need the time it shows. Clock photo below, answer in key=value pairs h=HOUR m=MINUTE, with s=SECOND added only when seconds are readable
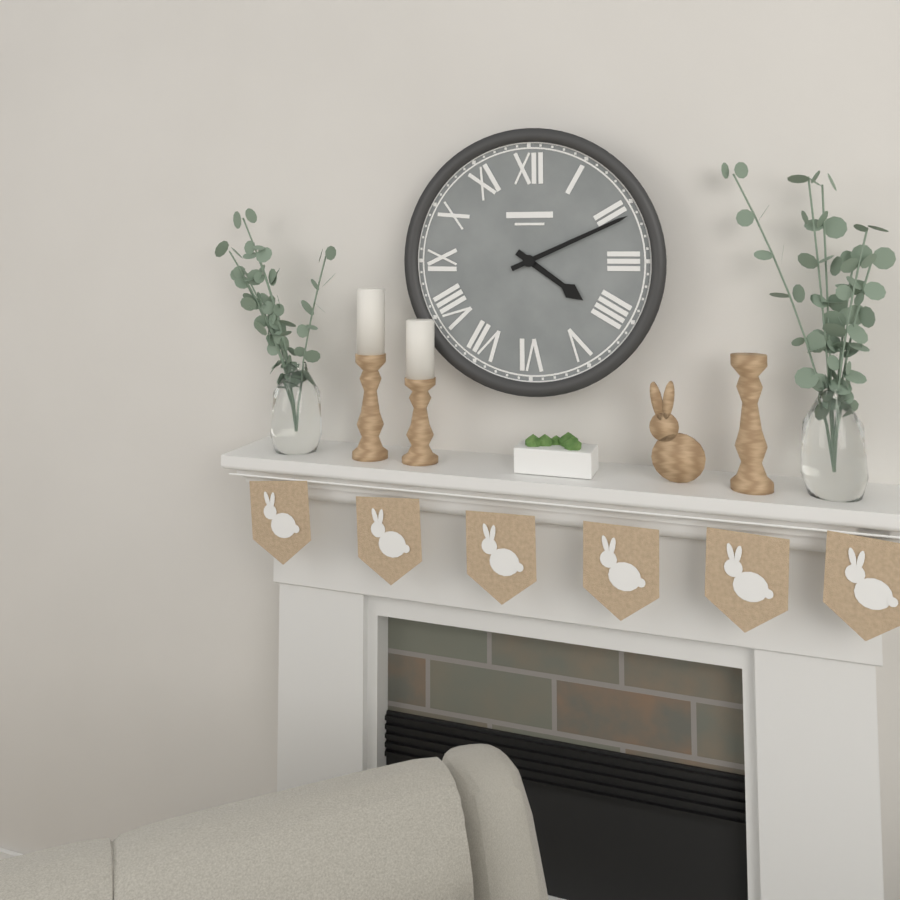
h=4 m=11
